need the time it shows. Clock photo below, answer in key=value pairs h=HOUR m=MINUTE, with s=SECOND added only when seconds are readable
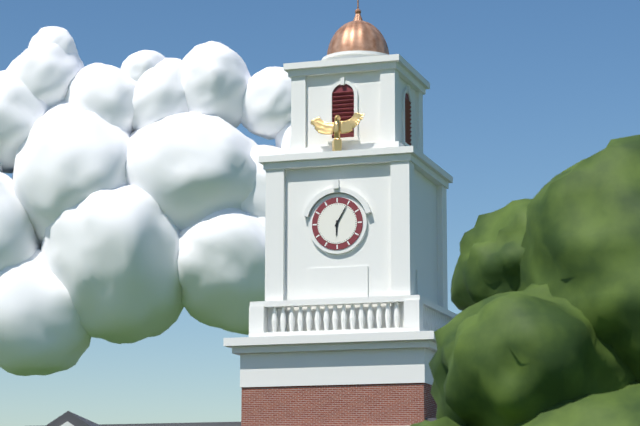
h=6 m=5
